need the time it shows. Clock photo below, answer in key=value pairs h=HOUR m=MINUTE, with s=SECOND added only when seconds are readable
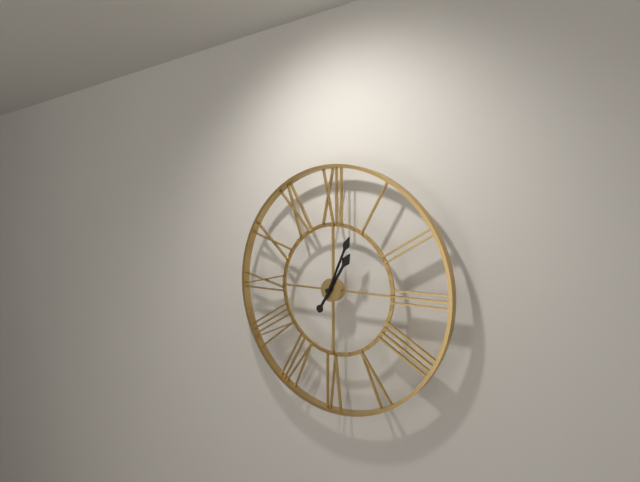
h=1 m=4
